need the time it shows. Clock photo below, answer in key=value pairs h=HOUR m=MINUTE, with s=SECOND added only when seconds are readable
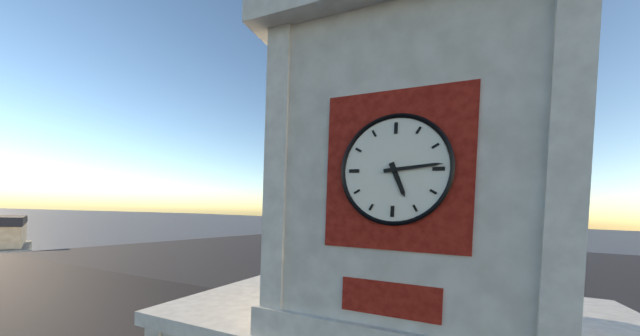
h=5 m=14
